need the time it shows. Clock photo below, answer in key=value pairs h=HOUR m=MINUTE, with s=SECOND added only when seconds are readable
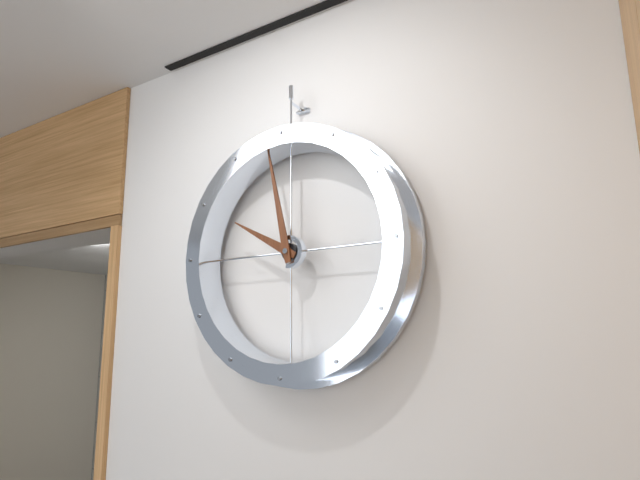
h=9 m=58
